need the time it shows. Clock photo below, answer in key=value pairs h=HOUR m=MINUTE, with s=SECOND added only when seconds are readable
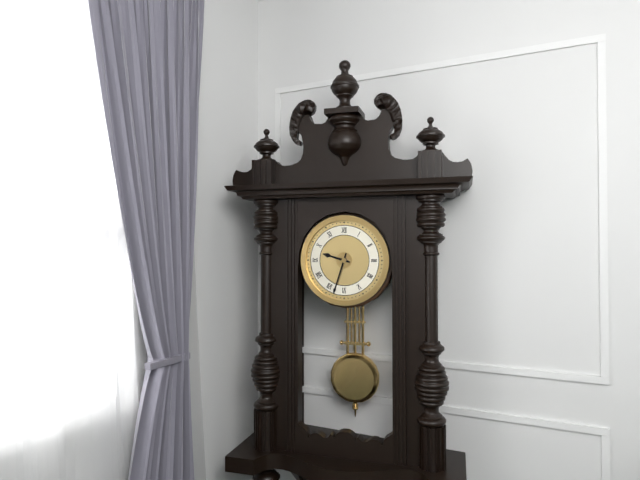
h=9 m=33
